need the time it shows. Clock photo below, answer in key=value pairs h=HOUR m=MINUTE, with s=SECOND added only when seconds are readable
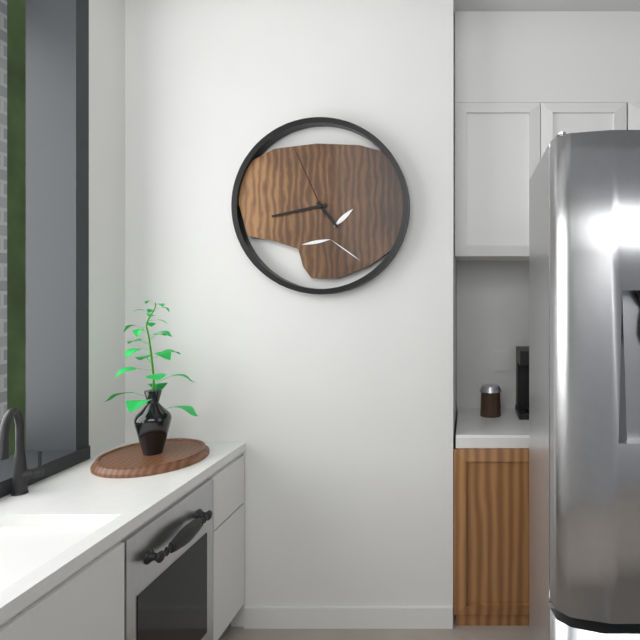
h=4 m=43 s=56
